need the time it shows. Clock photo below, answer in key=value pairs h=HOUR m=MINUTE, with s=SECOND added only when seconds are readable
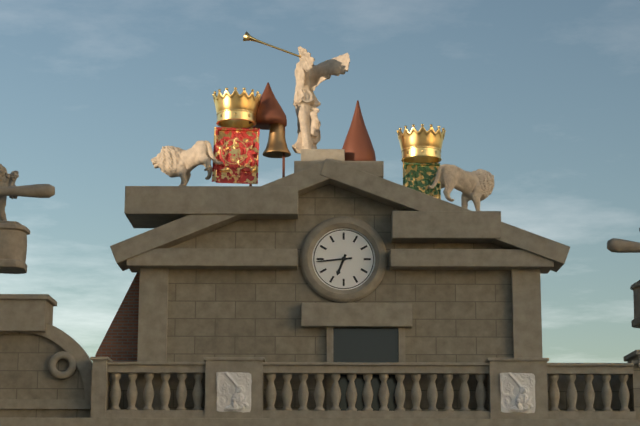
h=6 m=44
